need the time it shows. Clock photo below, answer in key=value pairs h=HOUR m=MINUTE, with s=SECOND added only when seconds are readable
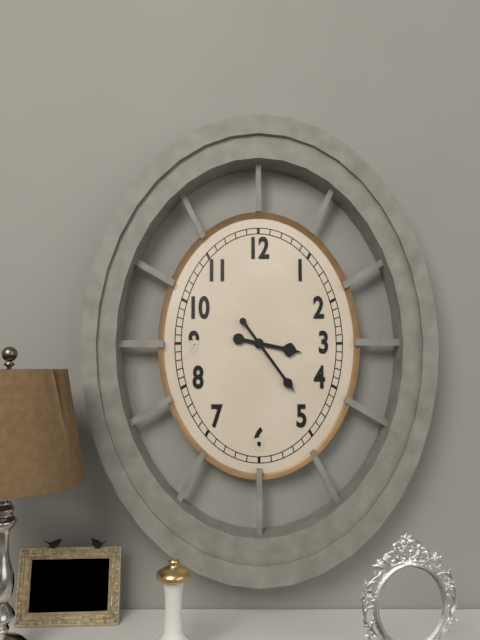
h=3 m=24
